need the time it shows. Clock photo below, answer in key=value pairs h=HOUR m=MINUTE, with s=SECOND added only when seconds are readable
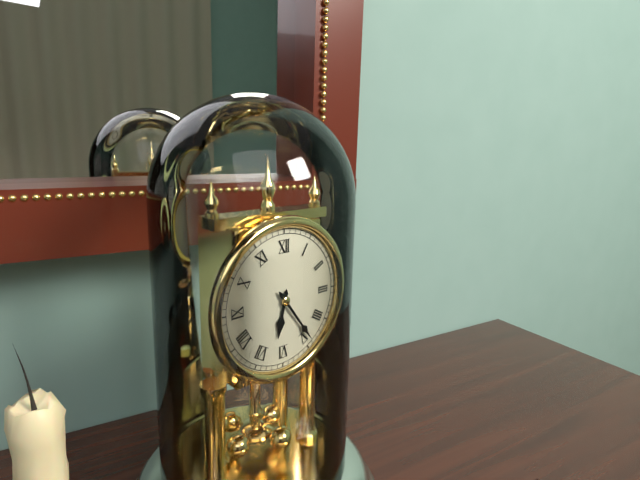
h=6 m=24
